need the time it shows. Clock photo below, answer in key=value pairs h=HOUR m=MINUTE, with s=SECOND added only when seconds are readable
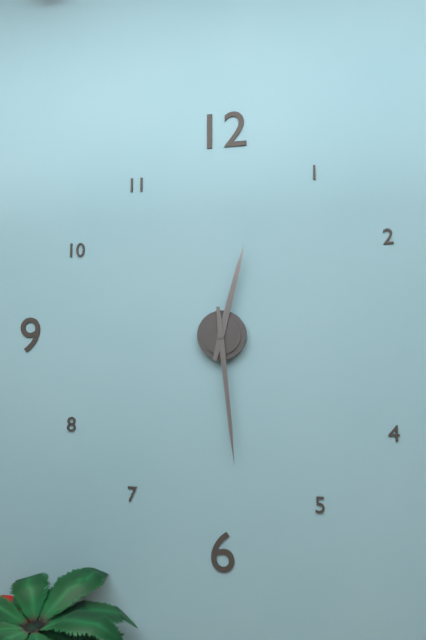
h=12 m=29
